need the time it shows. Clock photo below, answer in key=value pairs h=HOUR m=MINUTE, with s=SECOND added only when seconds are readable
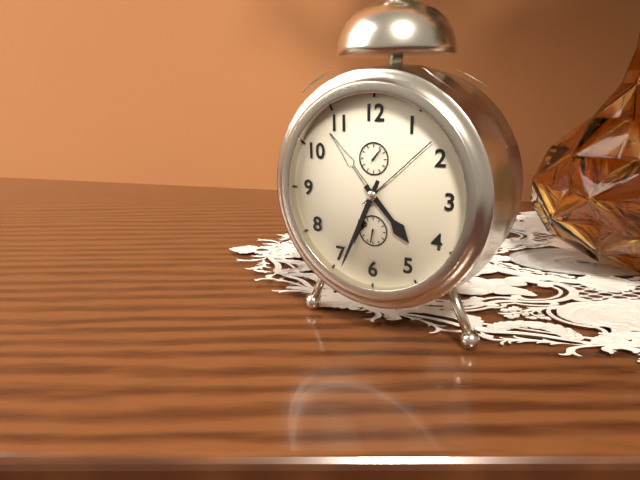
h=4 m=34
